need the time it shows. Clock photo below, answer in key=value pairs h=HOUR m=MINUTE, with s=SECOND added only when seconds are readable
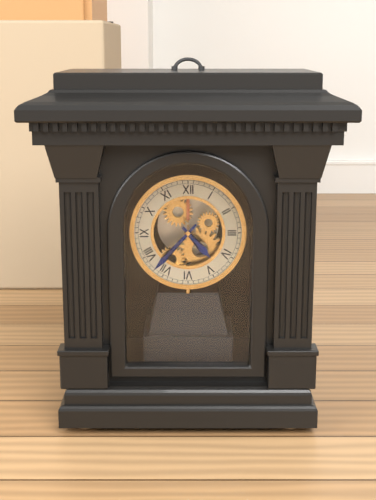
h=4 m=37
